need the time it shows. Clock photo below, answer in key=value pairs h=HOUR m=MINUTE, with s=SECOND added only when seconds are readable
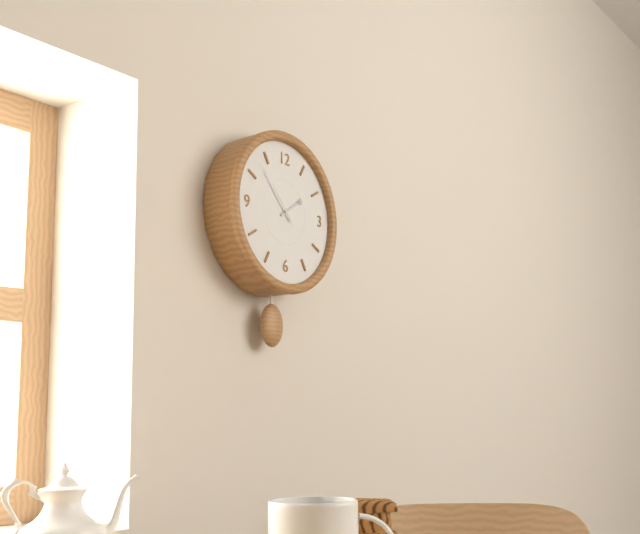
h=1 m=53
